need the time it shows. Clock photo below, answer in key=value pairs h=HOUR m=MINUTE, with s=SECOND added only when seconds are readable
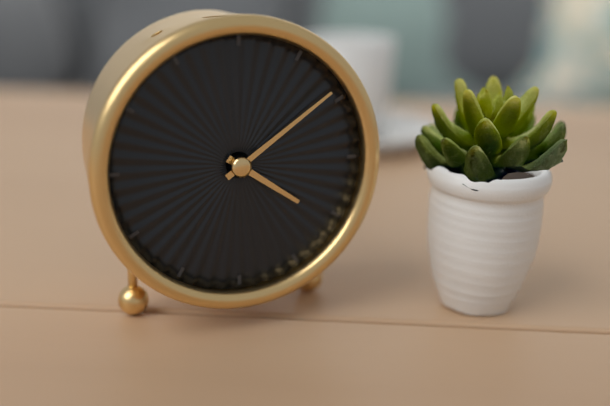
h=4 m=9
